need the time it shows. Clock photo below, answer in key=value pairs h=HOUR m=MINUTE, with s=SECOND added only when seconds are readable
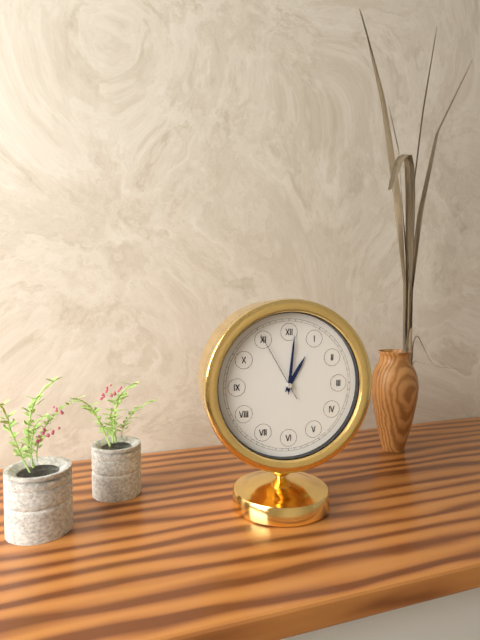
h=1 m=1 s=55
